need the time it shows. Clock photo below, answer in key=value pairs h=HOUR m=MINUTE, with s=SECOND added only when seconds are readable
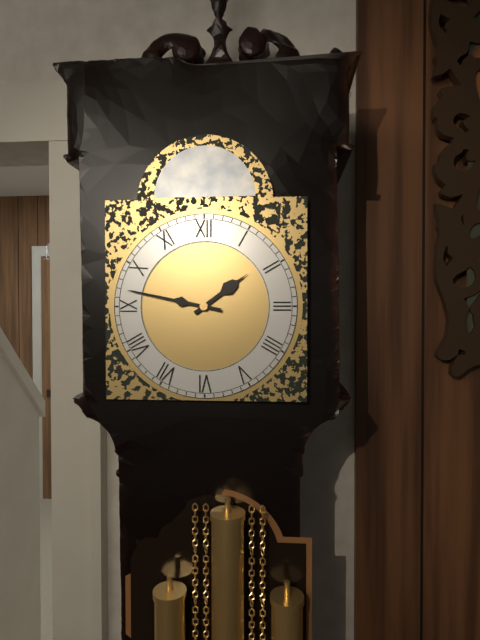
h=1 m=47
